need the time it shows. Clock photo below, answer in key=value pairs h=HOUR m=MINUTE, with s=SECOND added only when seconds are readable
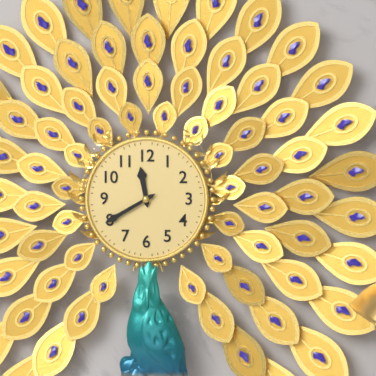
h=11 m=40
